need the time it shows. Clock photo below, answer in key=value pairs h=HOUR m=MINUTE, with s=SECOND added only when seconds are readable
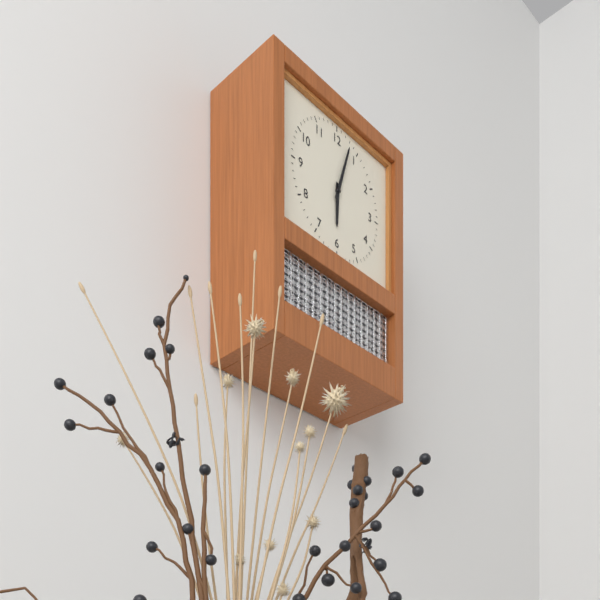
h=6 m=3
